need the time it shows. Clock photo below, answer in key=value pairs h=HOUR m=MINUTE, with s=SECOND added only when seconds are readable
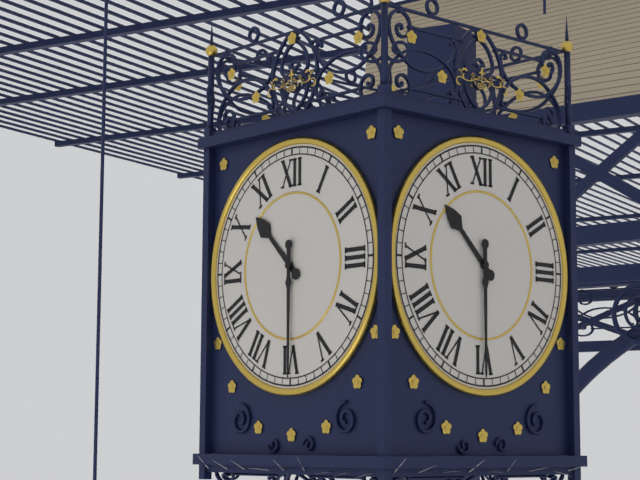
h=10 m=30
